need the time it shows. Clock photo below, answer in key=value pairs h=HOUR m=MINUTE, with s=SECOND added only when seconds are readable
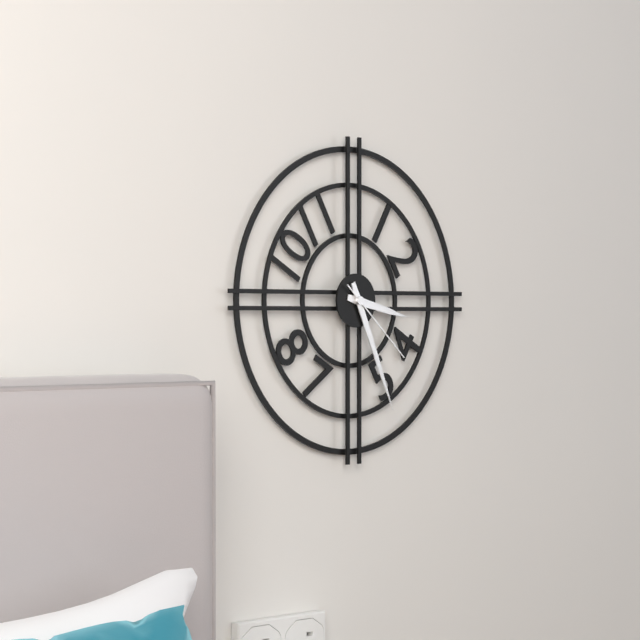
h=3 m=26 s=22
